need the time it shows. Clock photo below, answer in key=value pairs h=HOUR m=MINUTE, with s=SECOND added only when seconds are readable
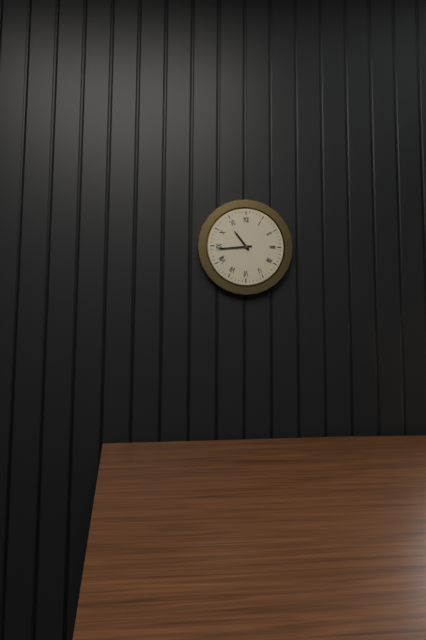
h=10 m=44
